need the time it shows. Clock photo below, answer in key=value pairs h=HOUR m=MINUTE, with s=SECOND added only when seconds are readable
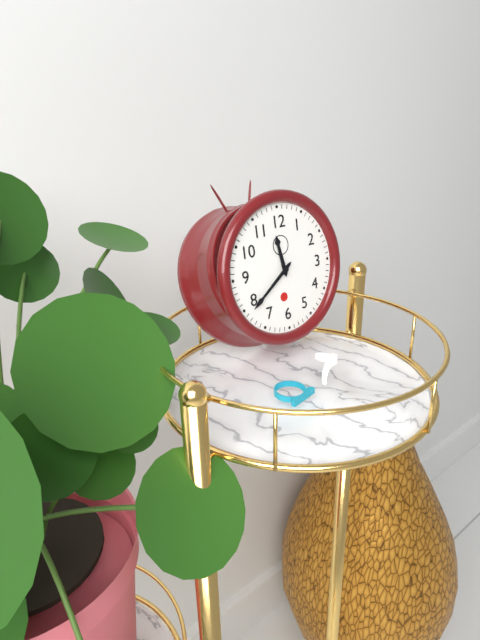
h=11 m=39
